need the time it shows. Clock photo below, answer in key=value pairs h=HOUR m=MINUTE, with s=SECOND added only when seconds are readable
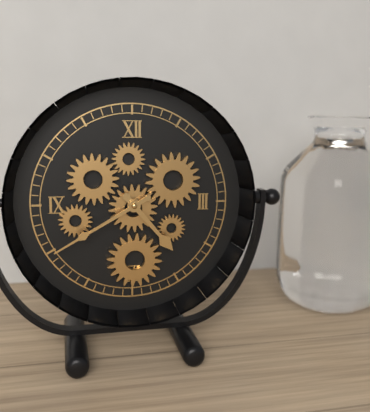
h=4 m=40
